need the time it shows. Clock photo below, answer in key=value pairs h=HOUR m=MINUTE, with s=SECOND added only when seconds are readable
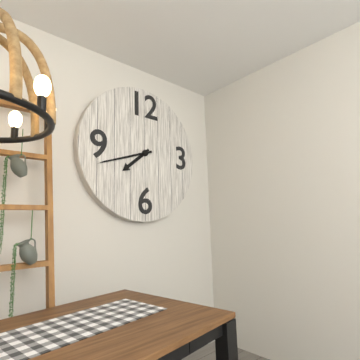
h=7 m=42
